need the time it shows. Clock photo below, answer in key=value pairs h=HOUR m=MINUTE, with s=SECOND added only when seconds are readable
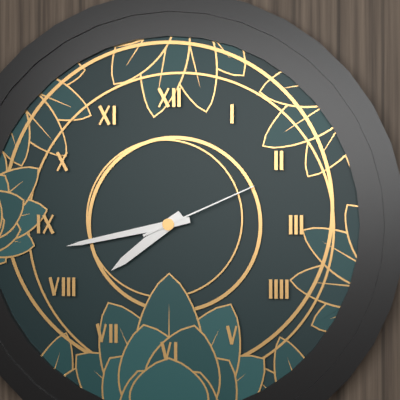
h=7 m=43 s=11
